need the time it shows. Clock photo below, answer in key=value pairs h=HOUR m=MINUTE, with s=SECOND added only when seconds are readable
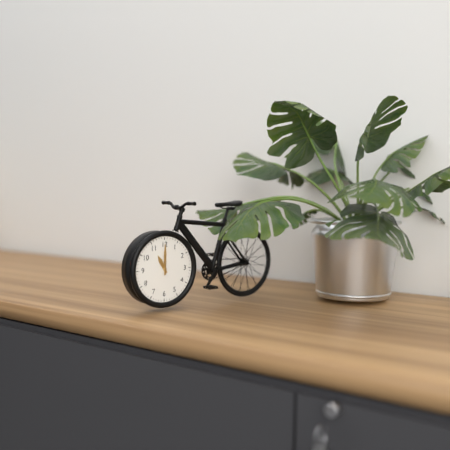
h=11 m=0
